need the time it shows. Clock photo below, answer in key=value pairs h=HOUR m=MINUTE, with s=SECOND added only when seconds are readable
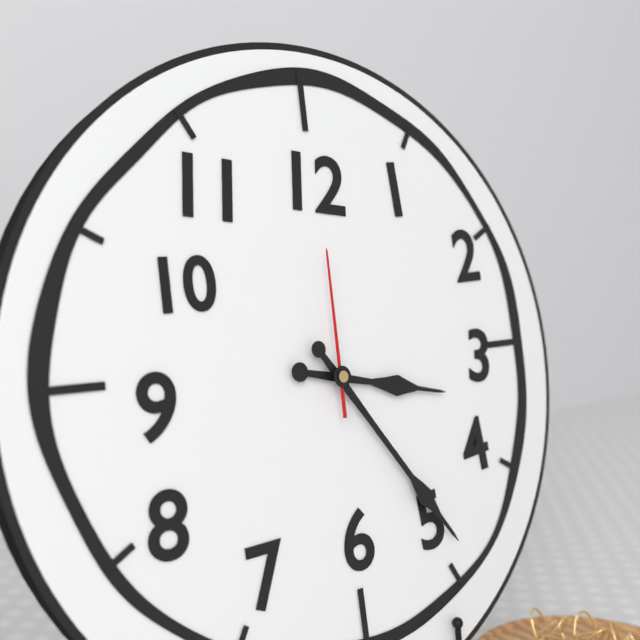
h=3 m=24 s=0
